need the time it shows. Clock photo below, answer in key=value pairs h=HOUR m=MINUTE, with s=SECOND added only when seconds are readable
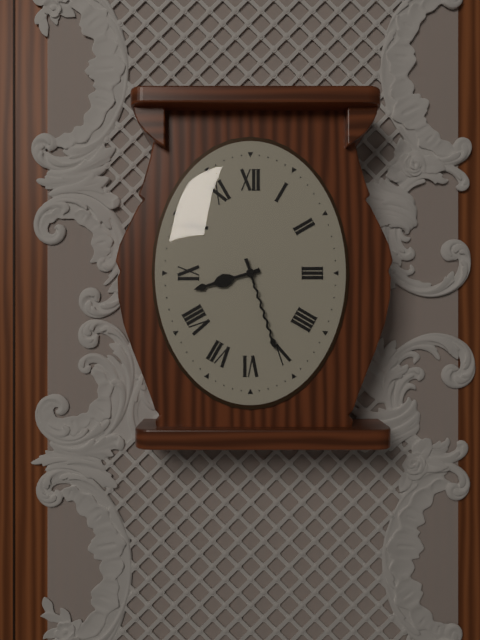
h=8 m=27
